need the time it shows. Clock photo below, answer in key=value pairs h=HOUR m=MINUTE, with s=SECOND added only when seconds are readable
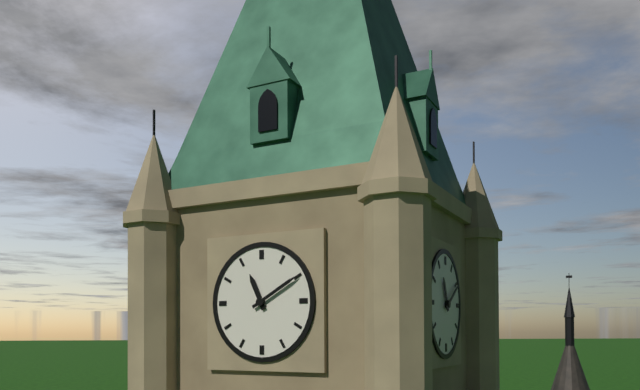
h=11 m=10
